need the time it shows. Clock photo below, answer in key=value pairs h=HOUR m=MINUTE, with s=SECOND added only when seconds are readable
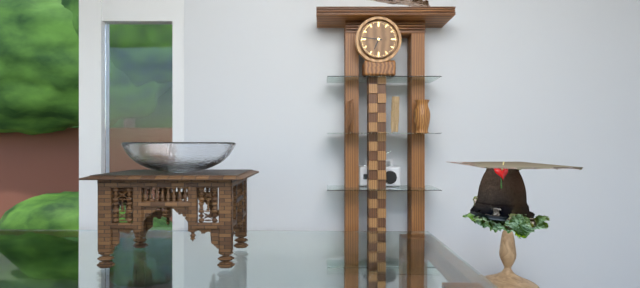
h=6 m=46
